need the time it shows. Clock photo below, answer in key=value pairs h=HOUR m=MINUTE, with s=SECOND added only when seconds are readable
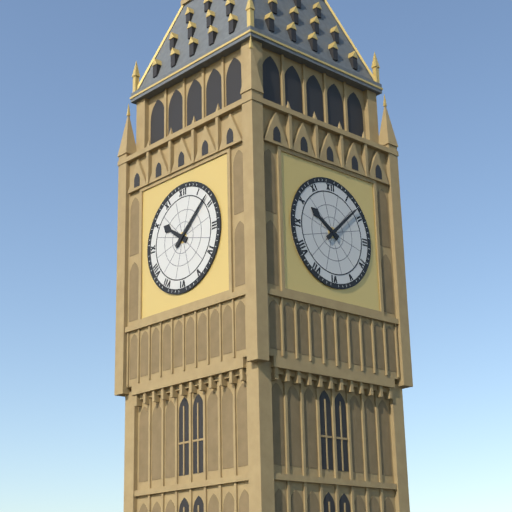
h=10 m=8
